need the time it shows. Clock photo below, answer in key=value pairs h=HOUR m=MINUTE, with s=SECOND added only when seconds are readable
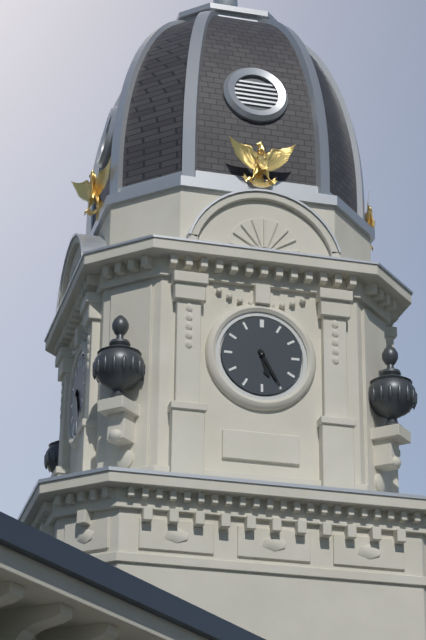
h=5 m=25
